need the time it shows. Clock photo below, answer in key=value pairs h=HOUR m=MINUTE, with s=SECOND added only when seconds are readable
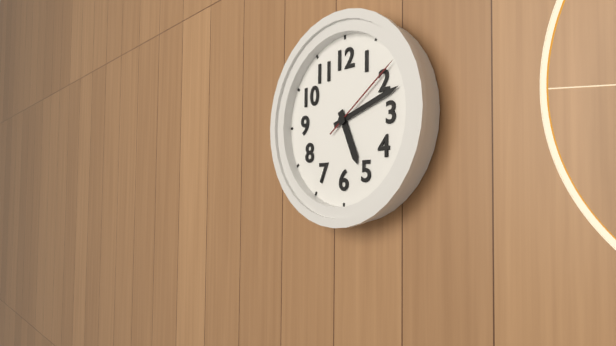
h=5 m=12 s=9
